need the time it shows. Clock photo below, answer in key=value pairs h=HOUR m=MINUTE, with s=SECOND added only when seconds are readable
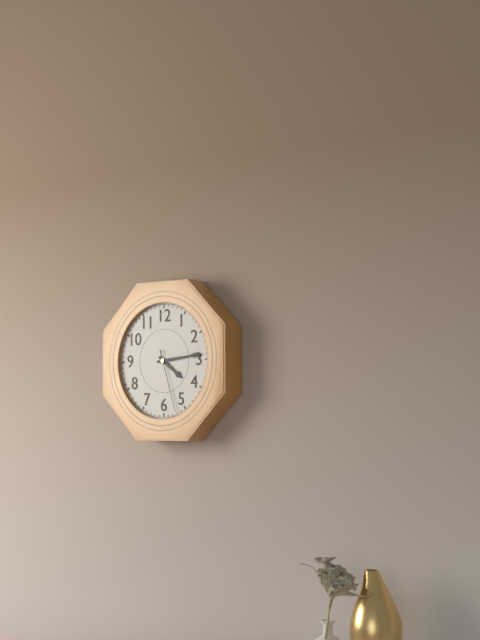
h=4 m=14 s=27
